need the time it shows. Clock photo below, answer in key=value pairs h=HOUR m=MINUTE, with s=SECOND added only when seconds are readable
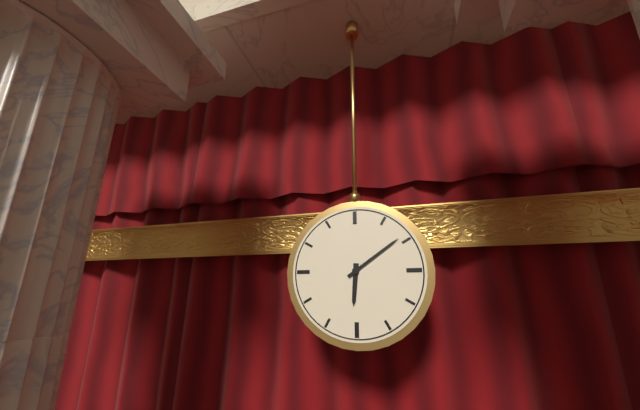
h=6 m=9
